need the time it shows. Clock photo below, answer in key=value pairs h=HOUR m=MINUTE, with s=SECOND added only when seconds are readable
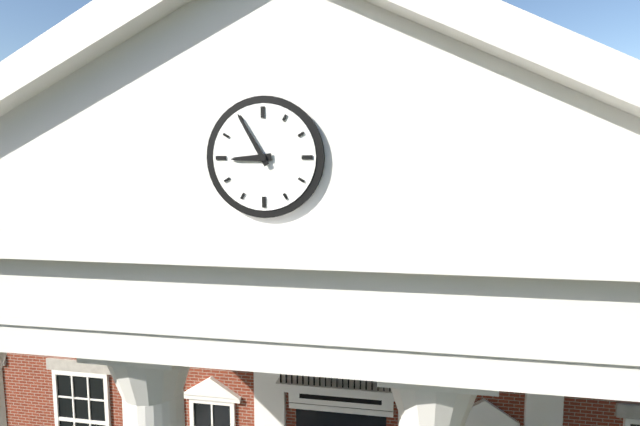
h=8 m=55
